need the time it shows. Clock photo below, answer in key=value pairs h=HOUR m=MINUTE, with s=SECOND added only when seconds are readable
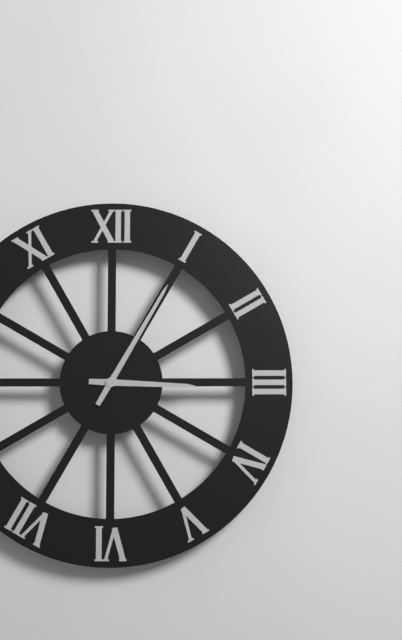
h=3 m=5
